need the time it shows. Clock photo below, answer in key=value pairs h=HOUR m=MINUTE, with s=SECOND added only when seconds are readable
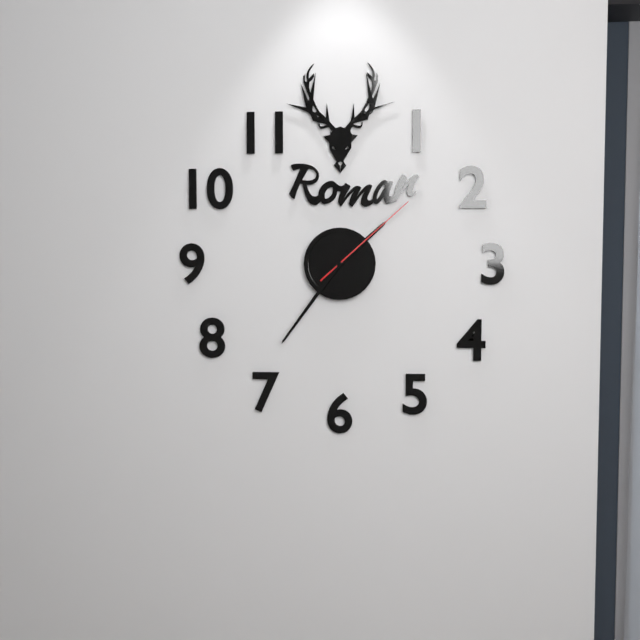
h=1 m=36 s=8
